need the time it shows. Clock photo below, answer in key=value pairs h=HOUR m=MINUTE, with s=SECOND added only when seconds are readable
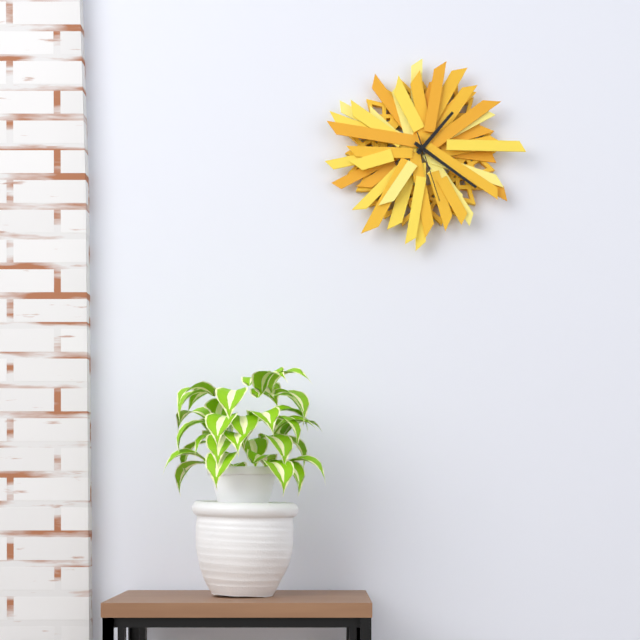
h=1 m=21 s=27
